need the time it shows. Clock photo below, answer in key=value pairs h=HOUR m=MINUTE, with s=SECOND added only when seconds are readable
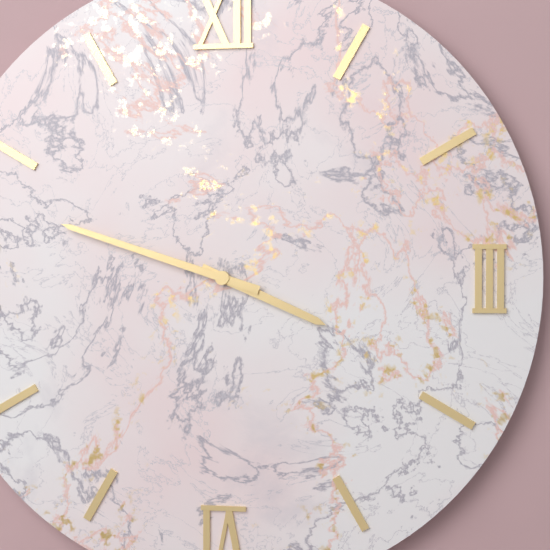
h=3 m=48
